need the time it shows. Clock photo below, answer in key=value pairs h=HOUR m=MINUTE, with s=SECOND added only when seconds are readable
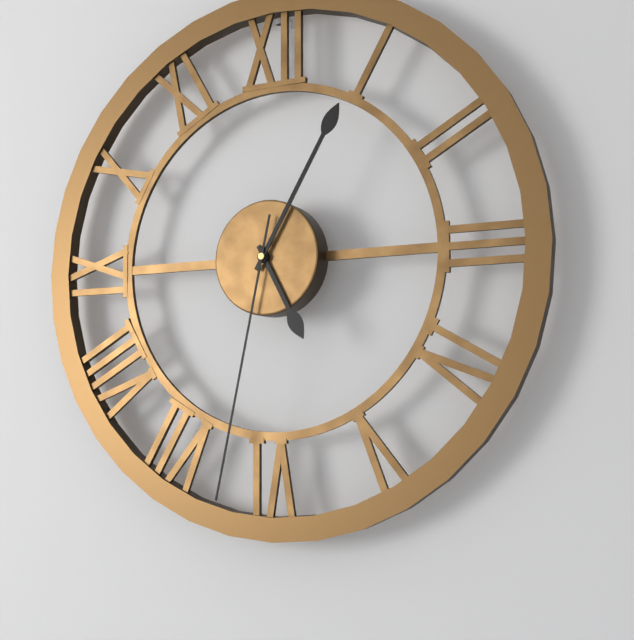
h=5 m=5 s=32
